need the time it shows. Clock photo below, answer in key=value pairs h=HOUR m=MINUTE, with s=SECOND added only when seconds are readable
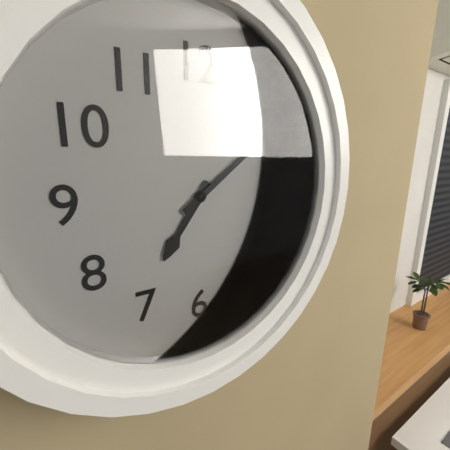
h=7 m=9
